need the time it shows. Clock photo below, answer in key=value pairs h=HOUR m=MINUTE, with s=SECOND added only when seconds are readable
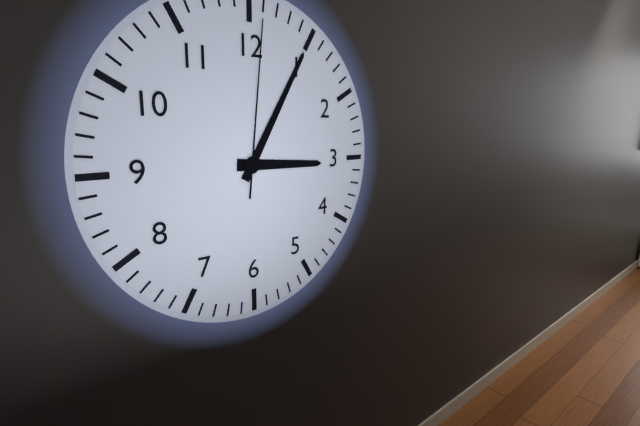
h=3 m=5 s=1
